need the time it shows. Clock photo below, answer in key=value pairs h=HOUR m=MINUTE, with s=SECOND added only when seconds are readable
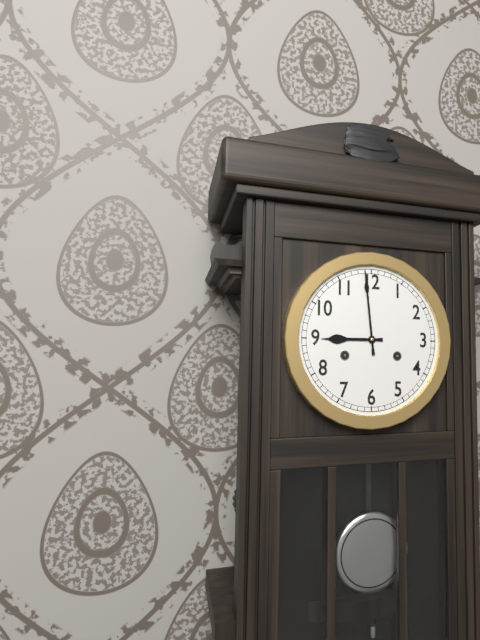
h=8 m=59
